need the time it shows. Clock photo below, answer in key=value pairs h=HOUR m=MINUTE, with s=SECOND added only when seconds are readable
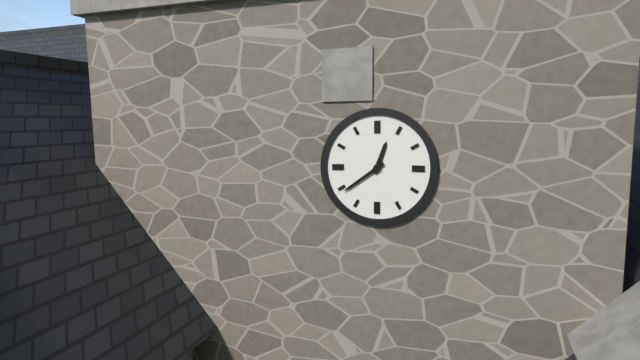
h=12 m=39
